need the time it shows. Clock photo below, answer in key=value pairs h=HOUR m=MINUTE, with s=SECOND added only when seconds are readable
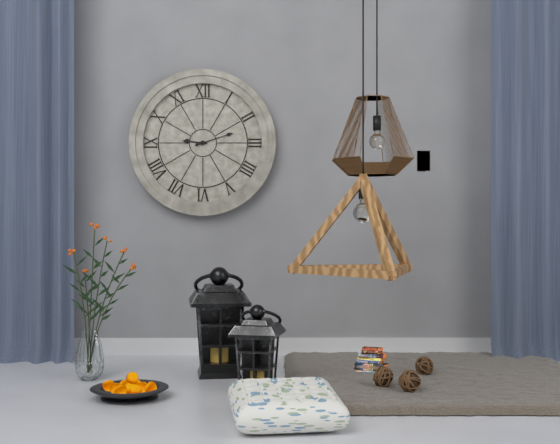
h=9 m=12
